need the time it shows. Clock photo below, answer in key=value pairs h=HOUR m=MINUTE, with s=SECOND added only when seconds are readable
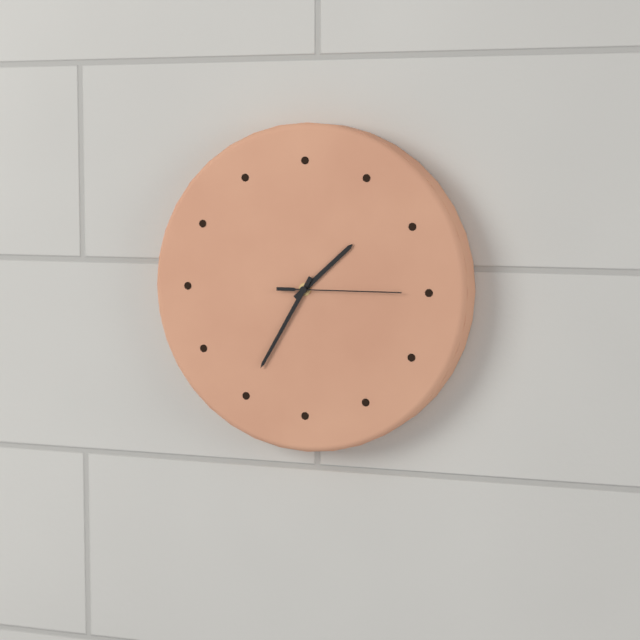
h=1 m=35 s=15
